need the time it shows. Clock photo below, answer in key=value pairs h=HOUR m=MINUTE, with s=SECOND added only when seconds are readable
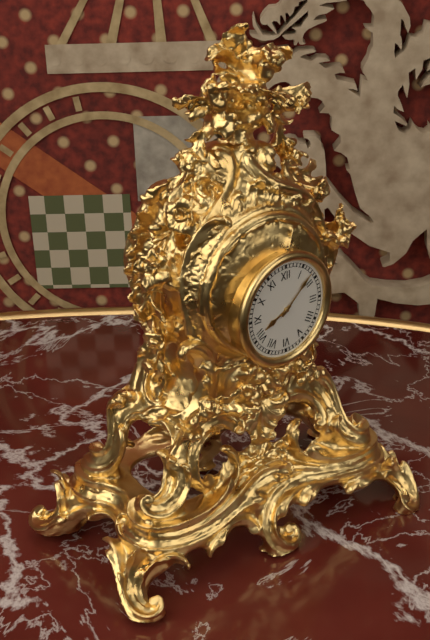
h=8 m=8
